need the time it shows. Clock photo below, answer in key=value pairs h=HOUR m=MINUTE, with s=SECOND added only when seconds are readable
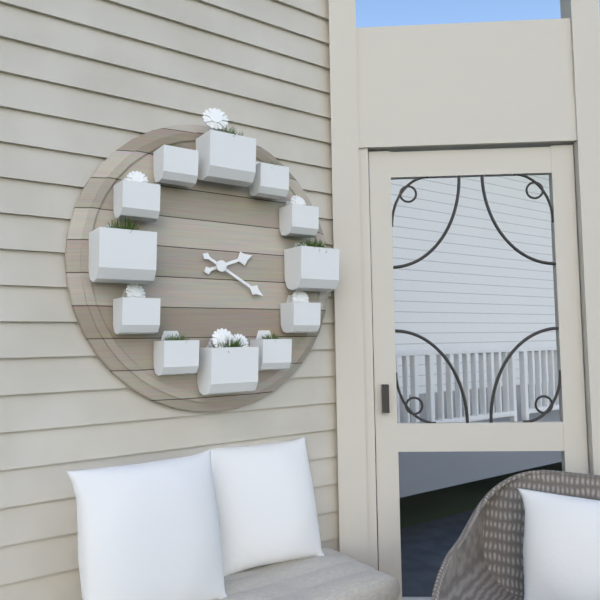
h=2 m=20
